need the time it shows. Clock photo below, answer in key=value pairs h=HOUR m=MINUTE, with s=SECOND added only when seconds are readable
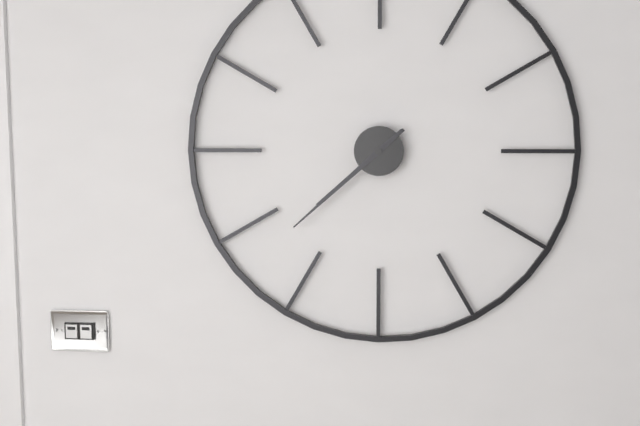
h=7 m=38
